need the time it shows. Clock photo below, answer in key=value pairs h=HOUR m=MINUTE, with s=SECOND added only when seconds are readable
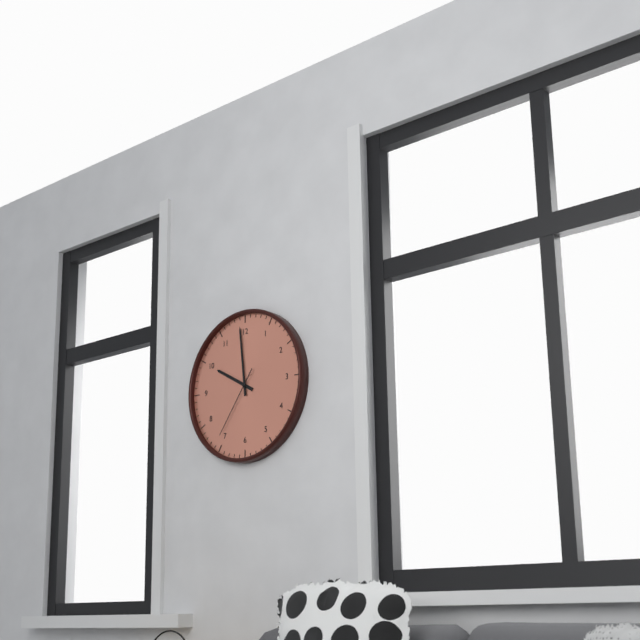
h=9 m=59 s=36
